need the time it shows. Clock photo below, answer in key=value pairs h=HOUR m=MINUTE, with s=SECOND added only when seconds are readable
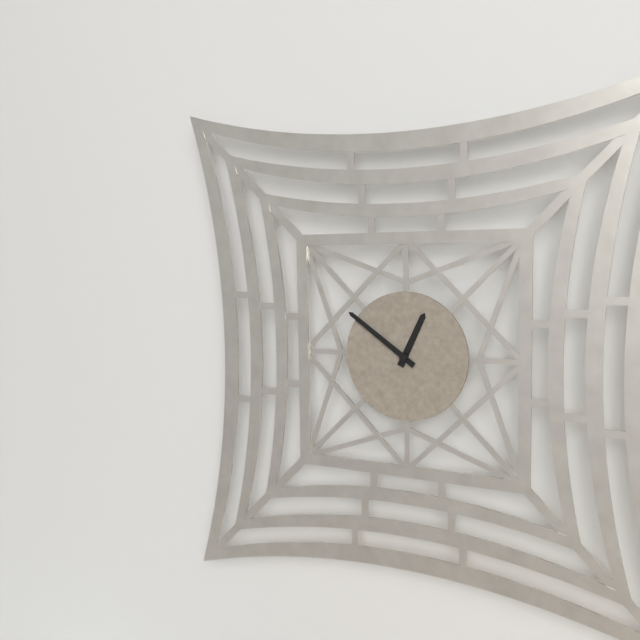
h=12 m=51
